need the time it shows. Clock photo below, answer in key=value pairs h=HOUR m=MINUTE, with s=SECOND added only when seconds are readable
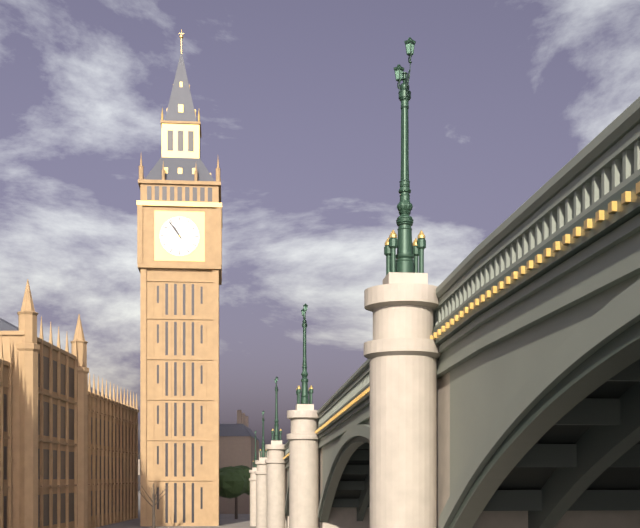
h=10 m=54
